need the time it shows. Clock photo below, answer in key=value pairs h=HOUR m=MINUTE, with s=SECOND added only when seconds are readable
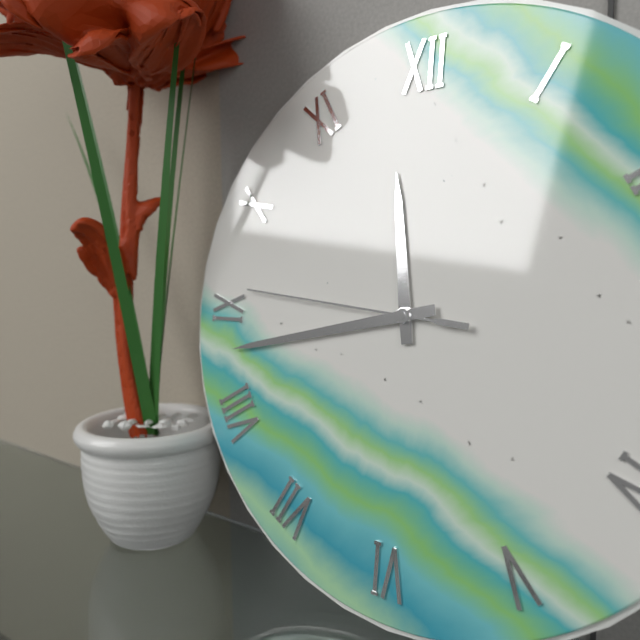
h=11 m=43 s=46
